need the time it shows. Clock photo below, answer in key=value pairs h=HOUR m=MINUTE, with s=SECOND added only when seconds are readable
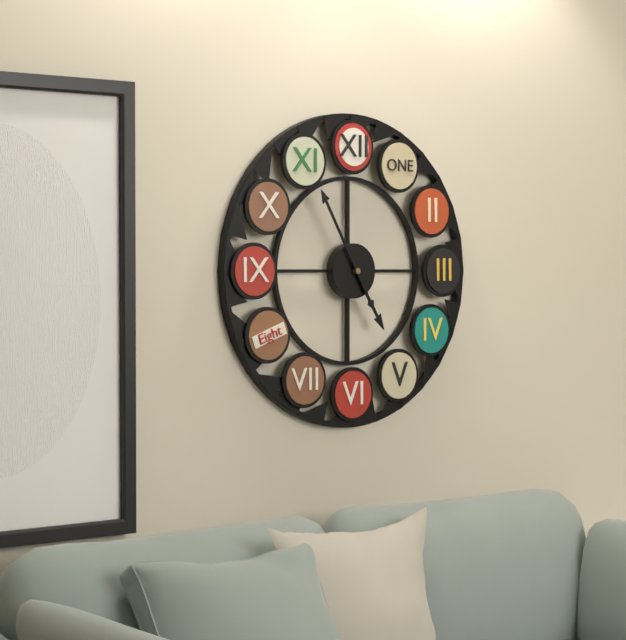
h=4 m=55
